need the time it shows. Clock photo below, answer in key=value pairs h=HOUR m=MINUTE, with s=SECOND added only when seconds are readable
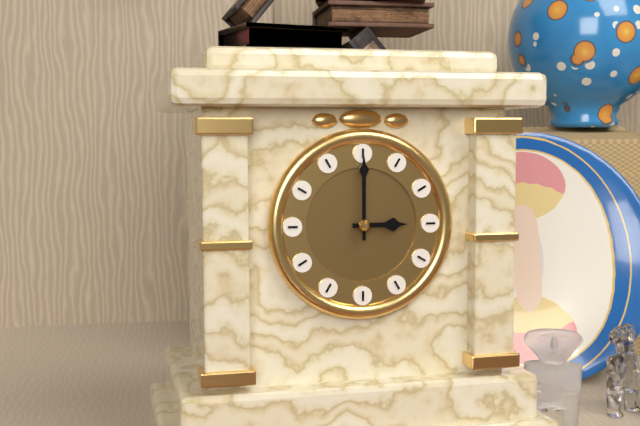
h=3 m=0
